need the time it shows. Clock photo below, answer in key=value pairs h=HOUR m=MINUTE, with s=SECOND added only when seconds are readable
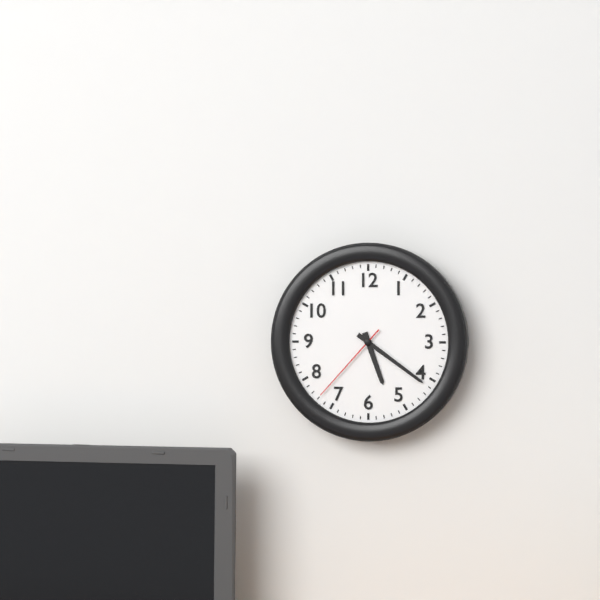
h=5 m=21 s=37
